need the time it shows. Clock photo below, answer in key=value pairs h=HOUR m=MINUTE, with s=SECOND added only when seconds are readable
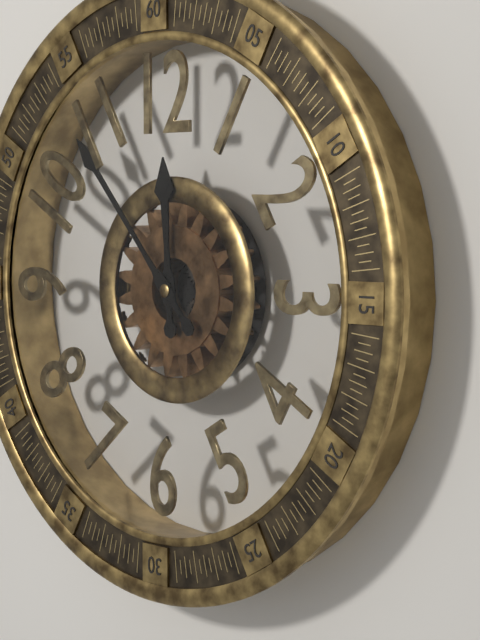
h=11 m=53
